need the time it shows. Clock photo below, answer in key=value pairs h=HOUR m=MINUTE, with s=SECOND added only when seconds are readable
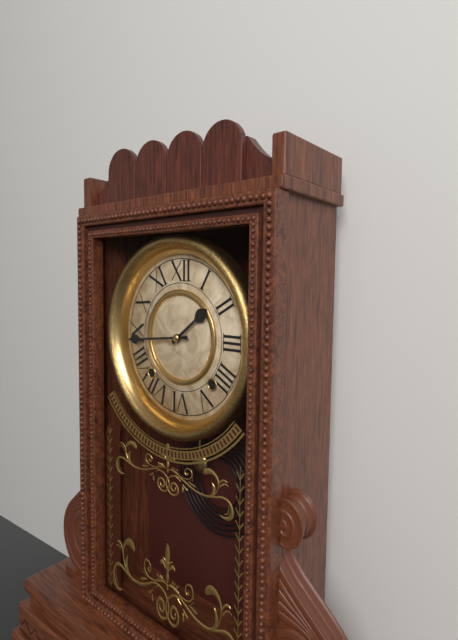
h=1 m=44
